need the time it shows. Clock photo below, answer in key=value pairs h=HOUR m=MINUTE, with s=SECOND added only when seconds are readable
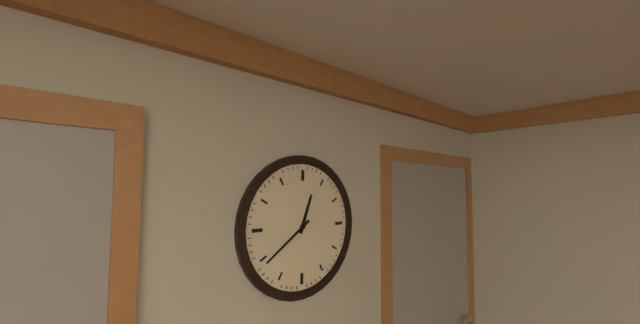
h=12 m=39
